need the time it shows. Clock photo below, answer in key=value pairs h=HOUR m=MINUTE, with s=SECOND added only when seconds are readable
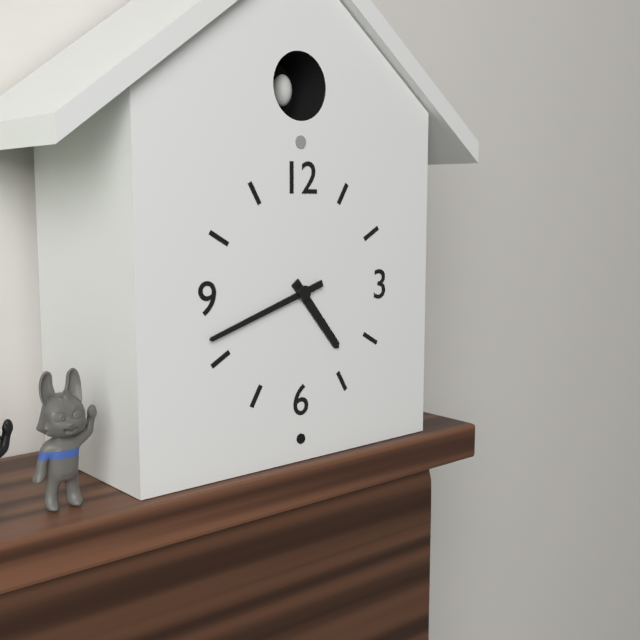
h=4 m=42
